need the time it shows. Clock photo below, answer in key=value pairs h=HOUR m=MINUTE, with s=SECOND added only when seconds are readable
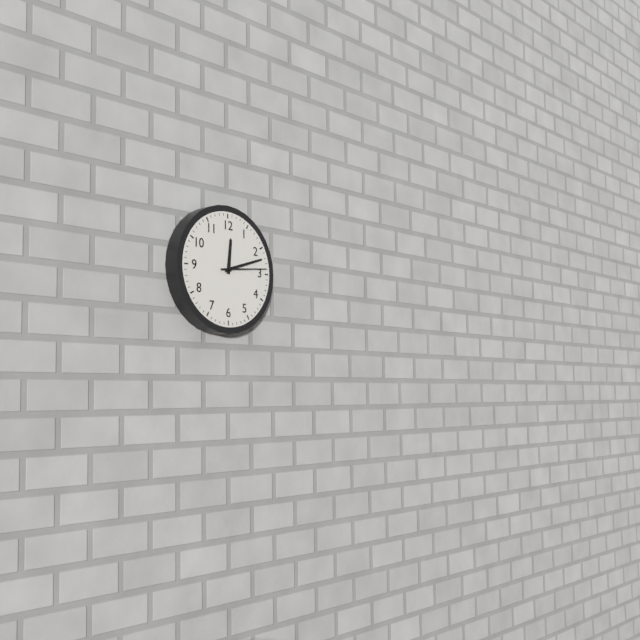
h=12 m=12
